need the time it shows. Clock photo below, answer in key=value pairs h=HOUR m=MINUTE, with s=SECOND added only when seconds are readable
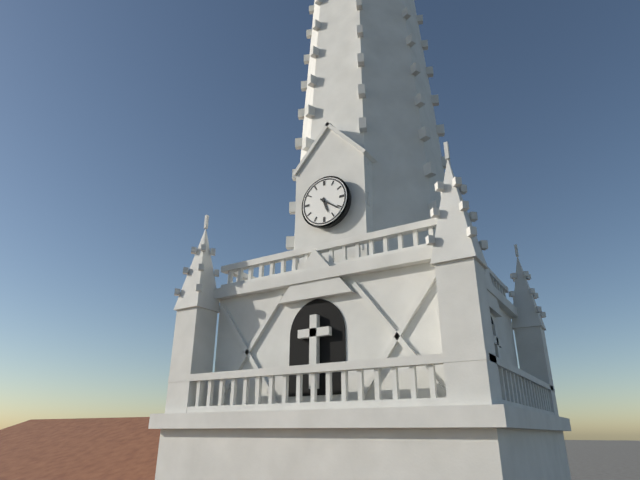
h=5 m=21
